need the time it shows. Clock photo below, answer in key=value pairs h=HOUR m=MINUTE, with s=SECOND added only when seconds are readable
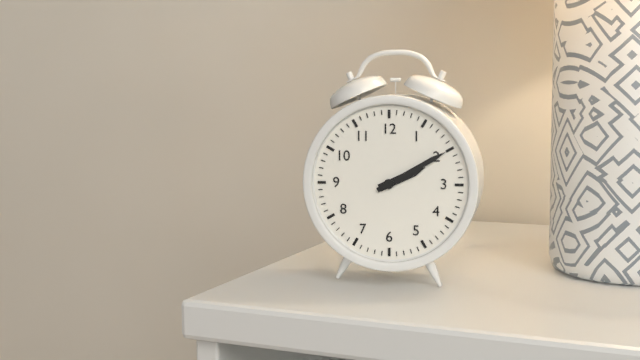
h=2 m=10
